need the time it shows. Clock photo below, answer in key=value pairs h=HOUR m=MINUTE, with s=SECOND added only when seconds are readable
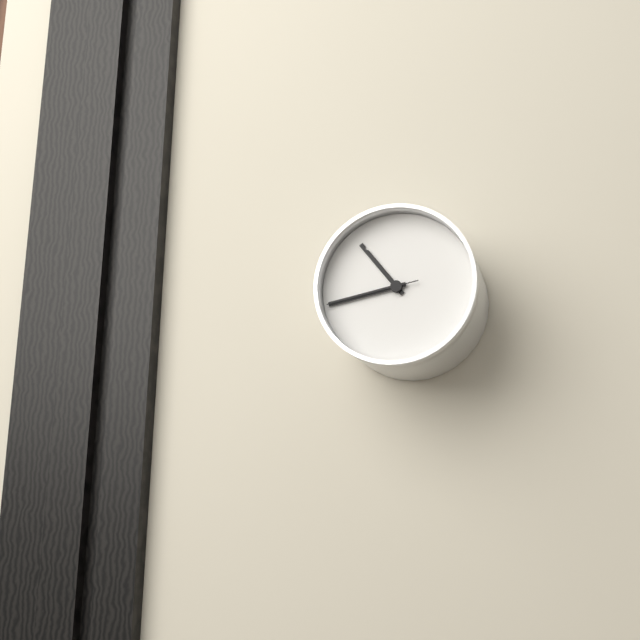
h=10 m=43 s=43
